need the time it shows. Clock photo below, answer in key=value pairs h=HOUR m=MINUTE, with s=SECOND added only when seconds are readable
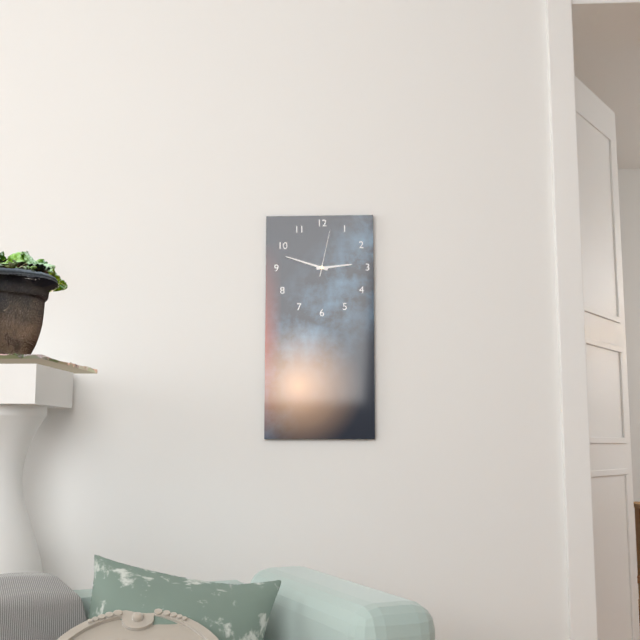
h=2 m=48
